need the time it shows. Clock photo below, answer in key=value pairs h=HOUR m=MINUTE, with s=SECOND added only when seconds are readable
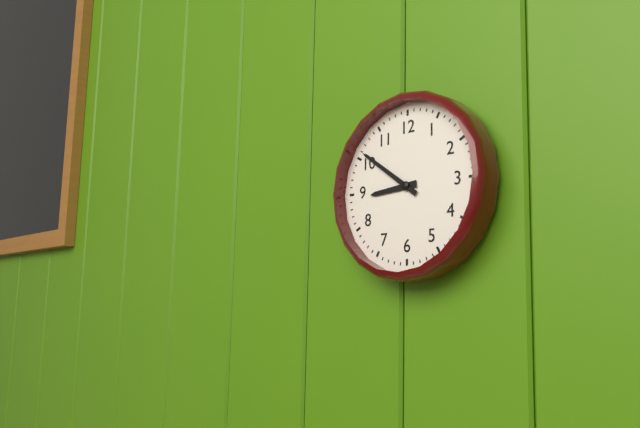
h=8 m=51
